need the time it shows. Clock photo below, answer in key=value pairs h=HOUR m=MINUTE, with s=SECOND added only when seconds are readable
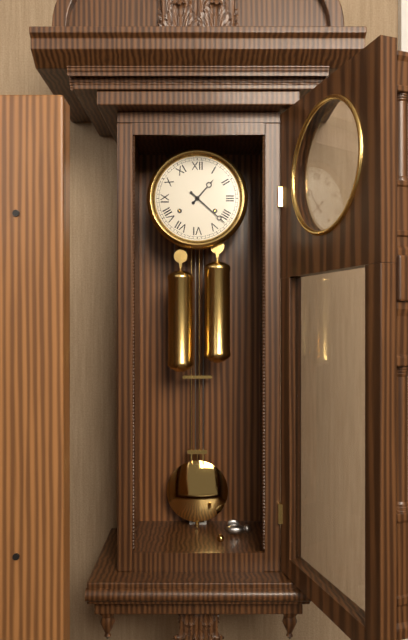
h=1 m=22
